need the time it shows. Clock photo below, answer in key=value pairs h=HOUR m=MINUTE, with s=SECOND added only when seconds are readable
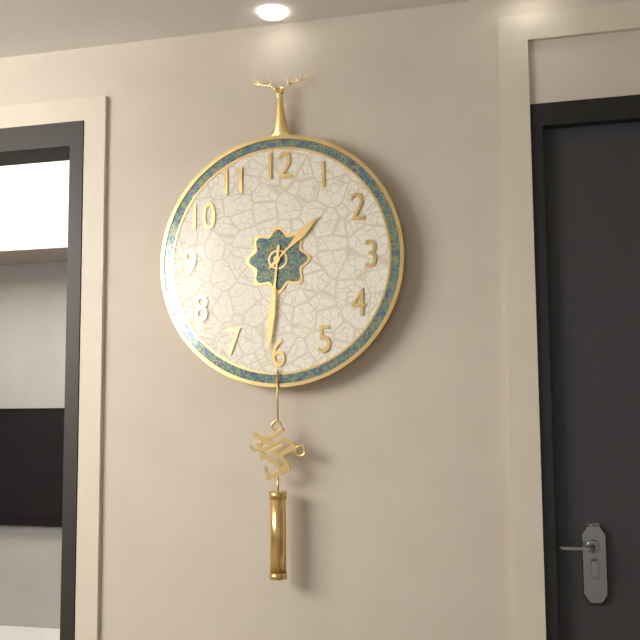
h=1 m=31
